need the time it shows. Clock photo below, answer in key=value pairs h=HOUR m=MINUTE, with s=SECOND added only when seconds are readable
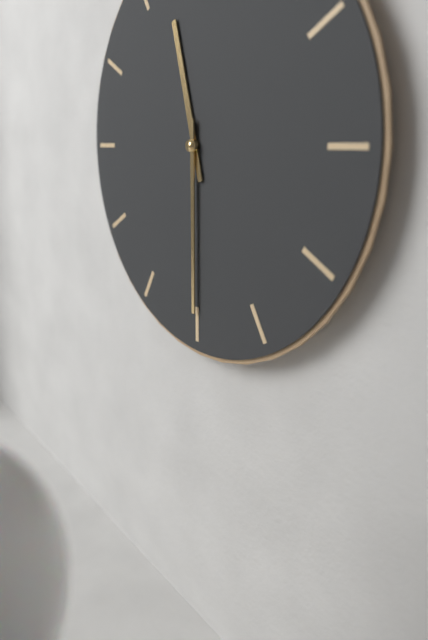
h=11 m=30
